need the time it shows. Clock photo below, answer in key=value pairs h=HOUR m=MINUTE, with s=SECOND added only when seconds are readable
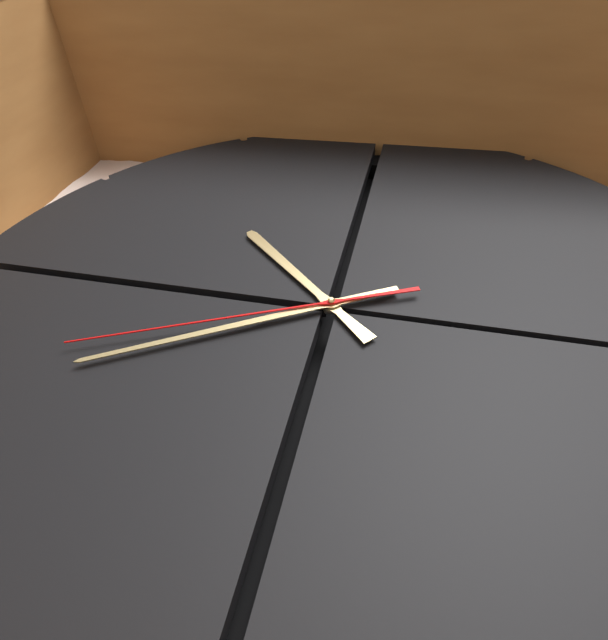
h=7 m=25 s=26
